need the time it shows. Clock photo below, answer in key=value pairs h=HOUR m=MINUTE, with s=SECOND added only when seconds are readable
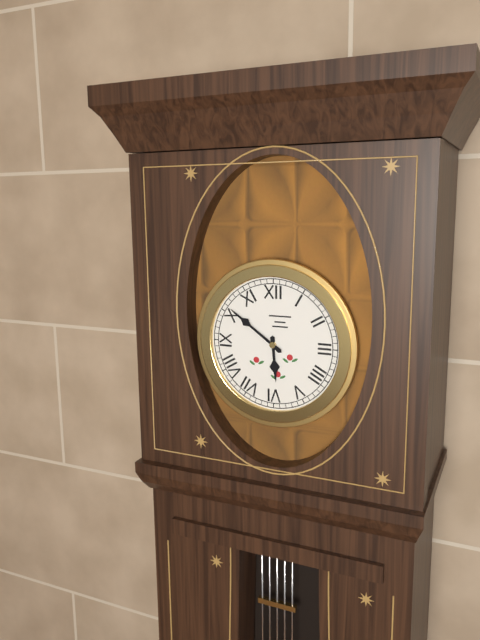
h=5 m=51
